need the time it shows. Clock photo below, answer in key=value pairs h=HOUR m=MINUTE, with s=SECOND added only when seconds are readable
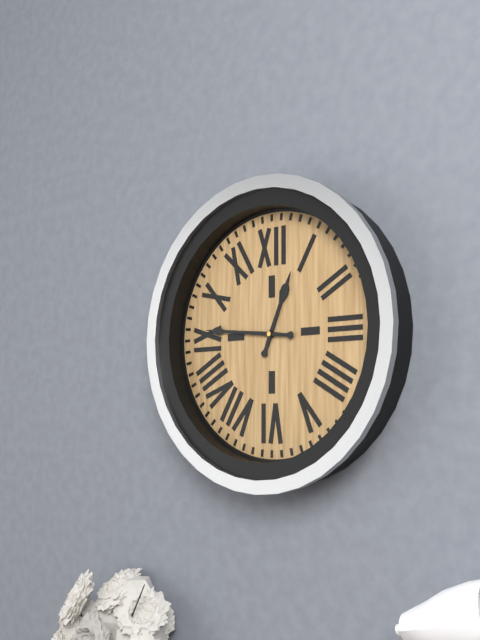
h=12 m=46
